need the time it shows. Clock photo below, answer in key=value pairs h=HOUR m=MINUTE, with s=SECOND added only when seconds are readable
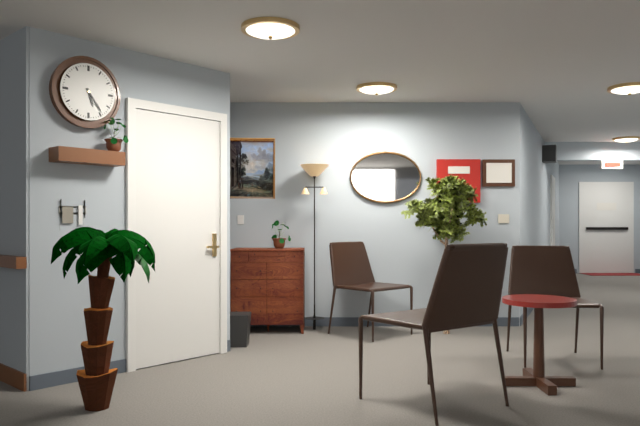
h=5 m=24
